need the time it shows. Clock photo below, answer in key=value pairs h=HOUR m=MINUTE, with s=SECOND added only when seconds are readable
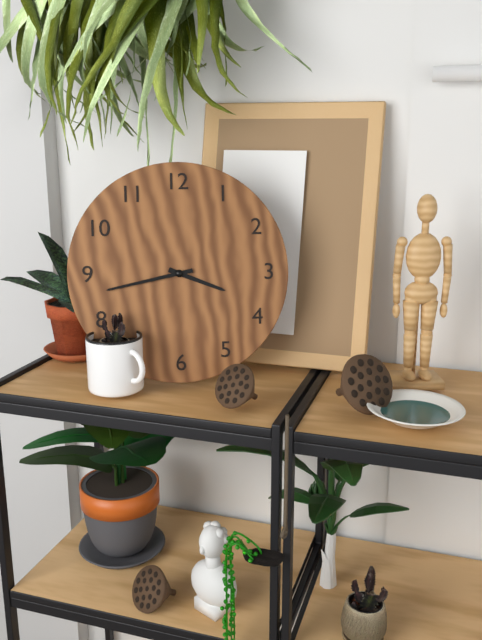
h=3 m=43
